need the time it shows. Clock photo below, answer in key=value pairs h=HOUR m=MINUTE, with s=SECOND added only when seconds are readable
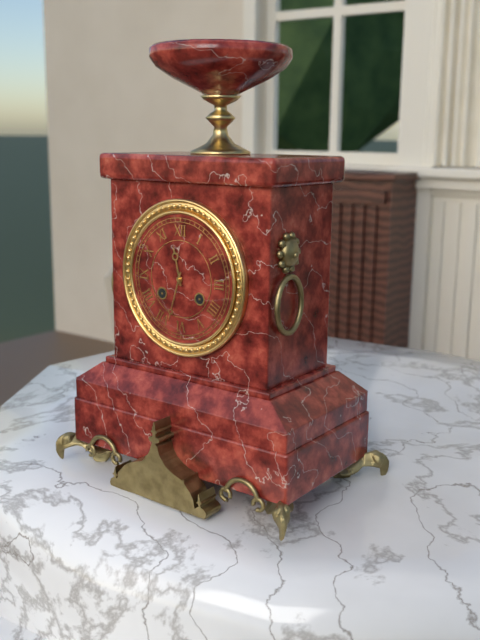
h=11 m=33
